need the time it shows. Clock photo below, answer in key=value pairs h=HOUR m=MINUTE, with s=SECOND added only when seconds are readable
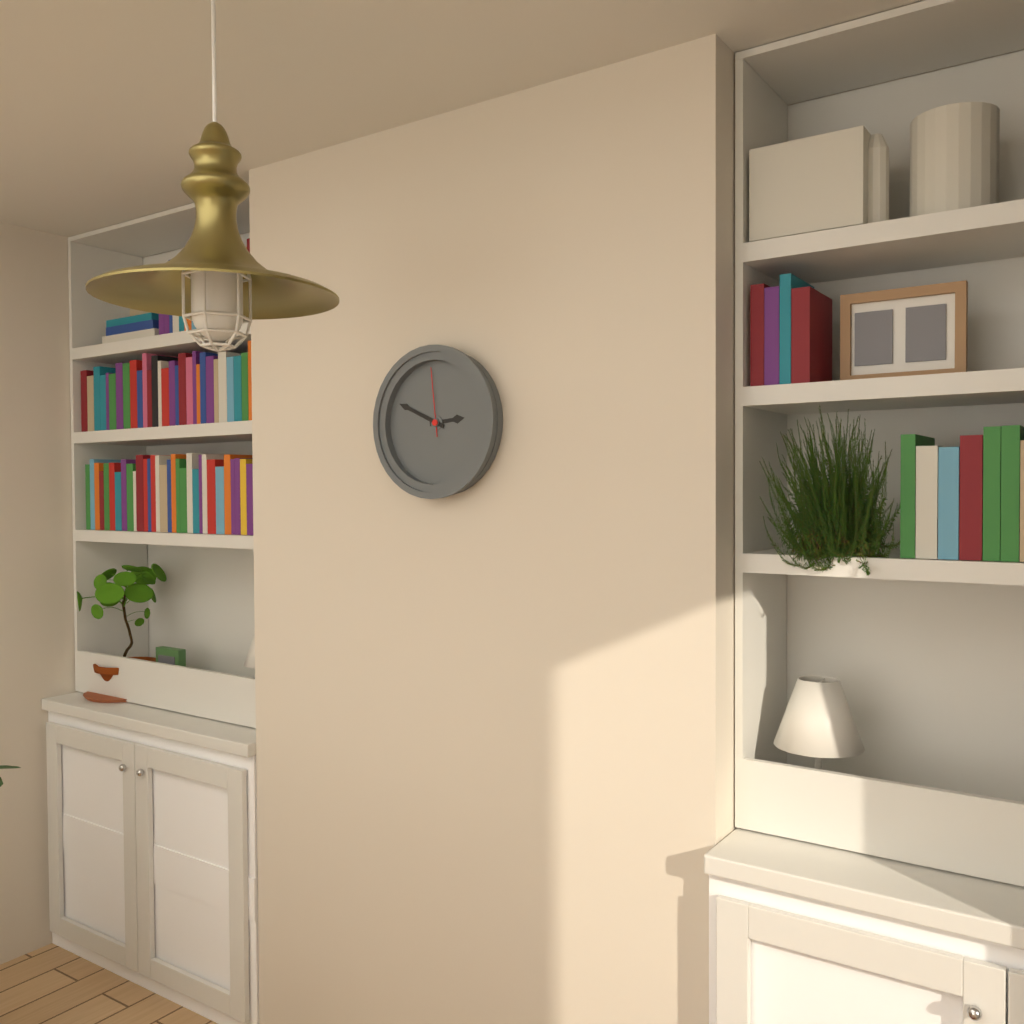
h=2 m=49 s=59
